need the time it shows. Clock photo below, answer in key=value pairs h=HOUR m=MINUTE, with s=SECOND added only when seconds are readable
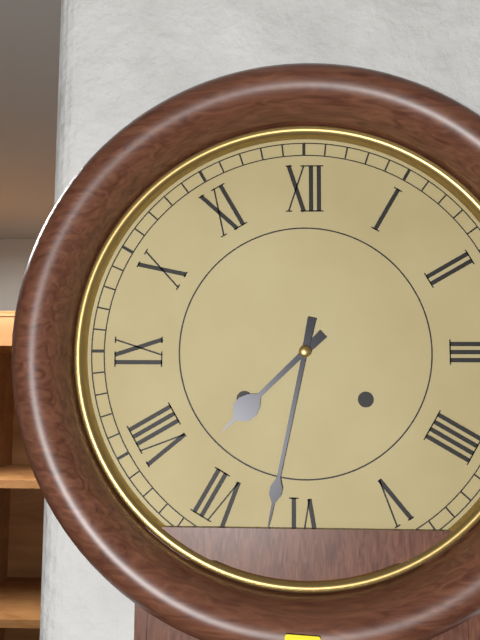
h=7 m=32
